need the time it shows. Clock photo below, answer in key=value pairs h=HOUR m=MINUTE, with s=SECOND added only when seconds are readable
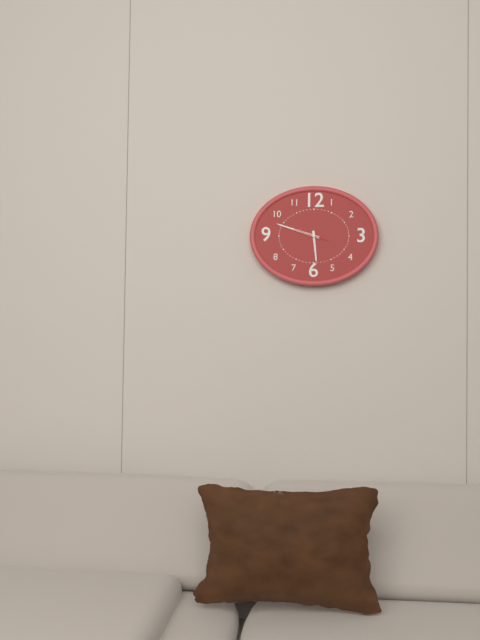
h=5 m=48
